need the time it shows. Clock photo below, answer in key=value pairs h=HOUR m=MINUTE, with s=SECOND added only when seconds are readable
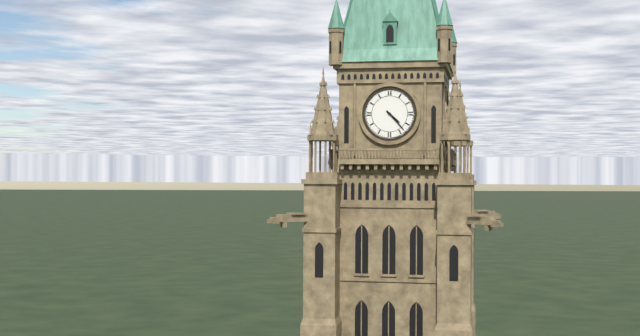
h=4 m=23
